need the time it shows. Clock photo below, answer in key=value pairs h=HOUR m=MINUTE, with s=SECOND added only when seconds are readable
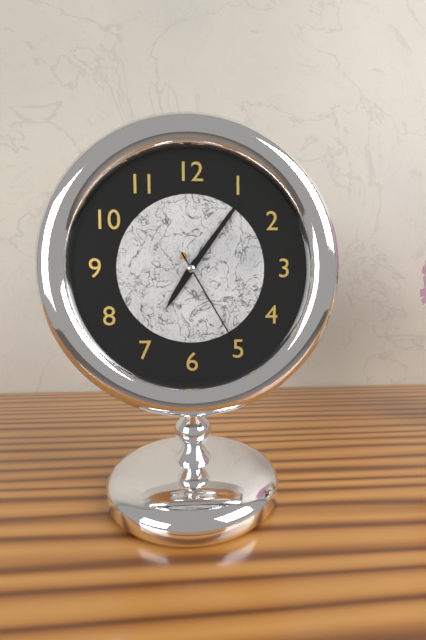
h=7 m=6 s=25
